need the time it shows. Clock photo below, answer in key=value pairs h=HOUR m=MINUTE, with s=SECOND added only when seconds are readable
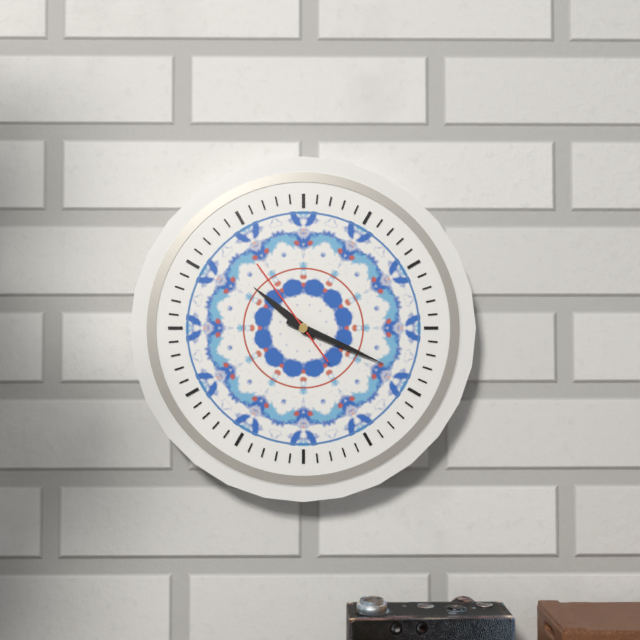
h=10 m=19 s=54
